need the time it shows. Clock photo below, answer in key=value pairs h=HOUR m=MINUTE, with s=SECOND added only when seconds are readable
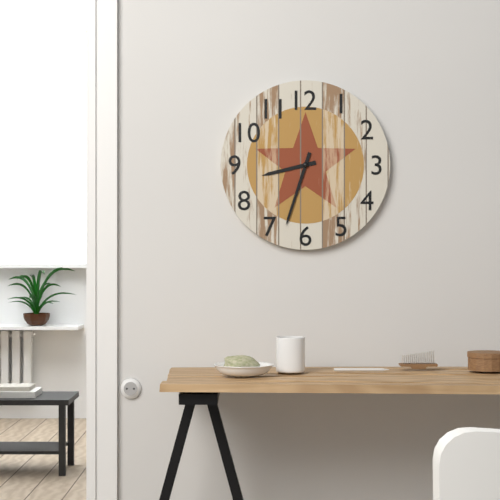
h=8 m=33
